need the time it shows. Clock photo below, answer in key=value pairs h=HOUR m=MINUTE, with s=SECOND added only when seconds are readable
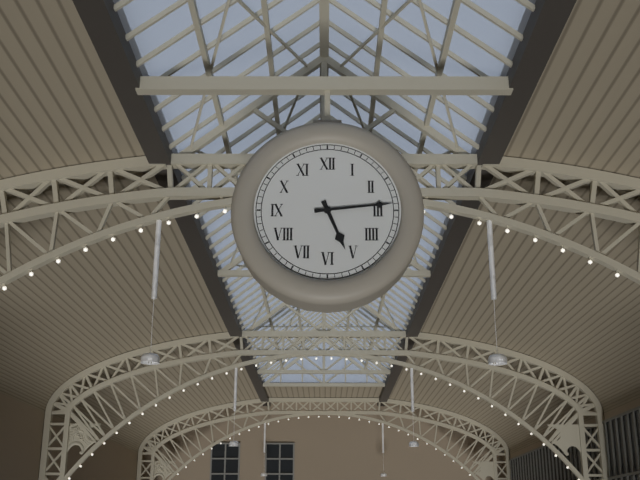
h=5 m=14
